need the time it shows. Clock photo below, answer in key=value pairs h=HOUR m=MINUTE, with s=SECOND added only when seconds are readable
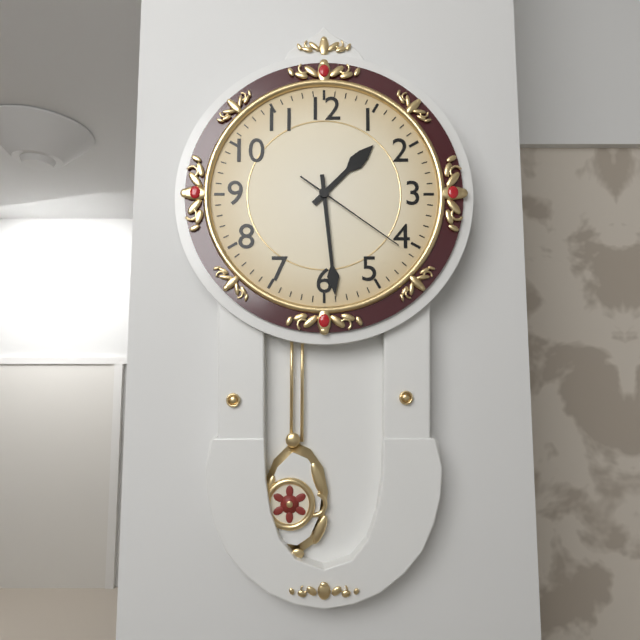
h=1 m=29 s=21
